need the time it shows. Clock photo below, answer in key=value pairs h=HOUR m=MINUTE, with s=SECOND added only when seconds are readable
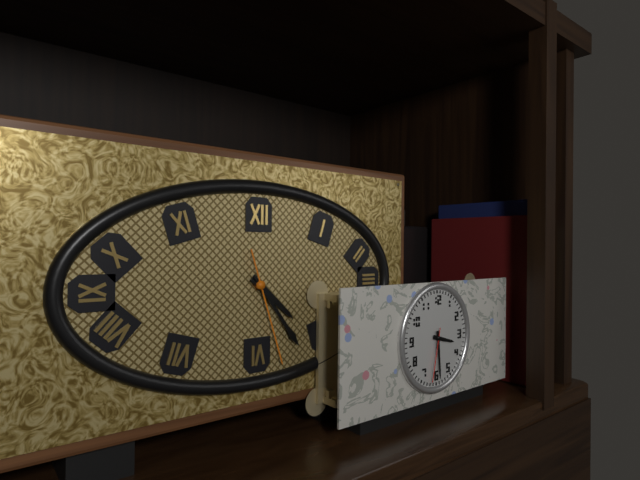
h=4 m=24 s=27
